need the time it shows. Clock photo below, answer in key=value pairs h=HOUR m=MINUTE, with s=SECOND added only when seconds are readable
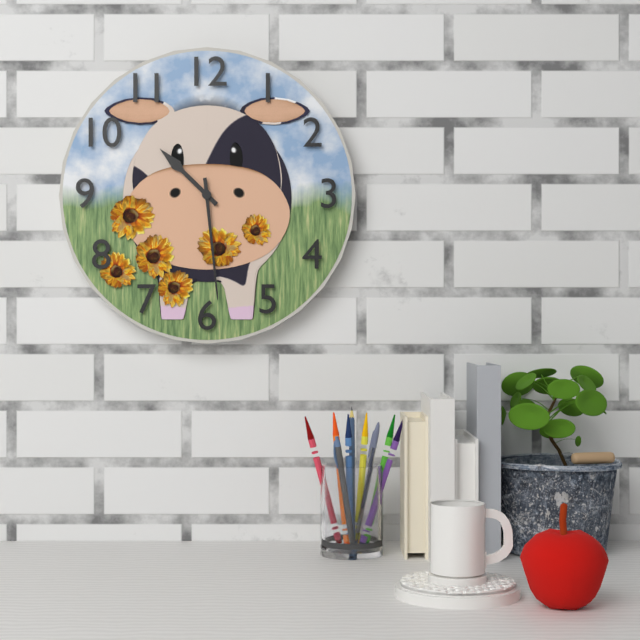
h=10 m=29
